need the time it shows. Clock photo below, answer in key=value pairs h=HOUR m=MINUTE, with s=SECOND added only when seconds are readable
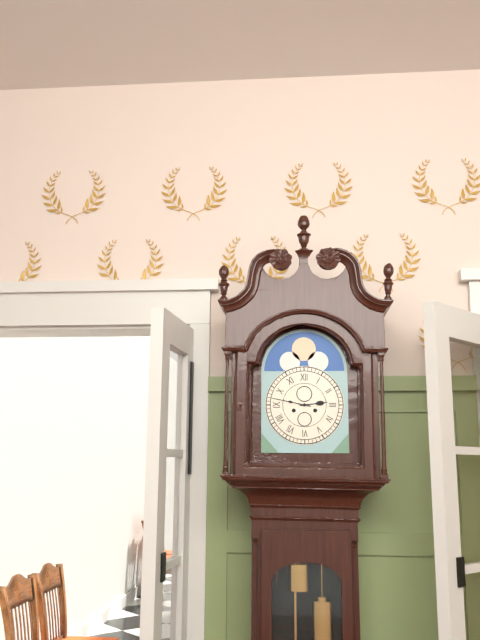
h=2 m=47
